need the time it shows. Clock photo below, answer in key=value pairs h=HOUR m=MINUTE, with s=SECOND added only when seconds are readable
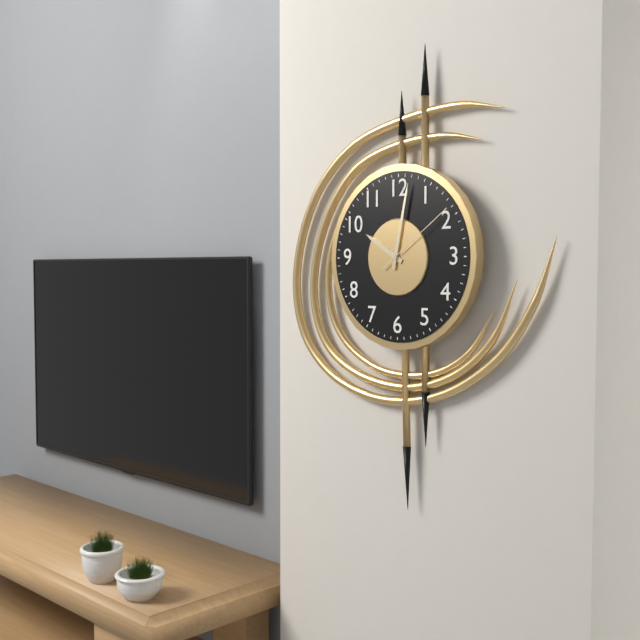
h=10 m=2 s=9
